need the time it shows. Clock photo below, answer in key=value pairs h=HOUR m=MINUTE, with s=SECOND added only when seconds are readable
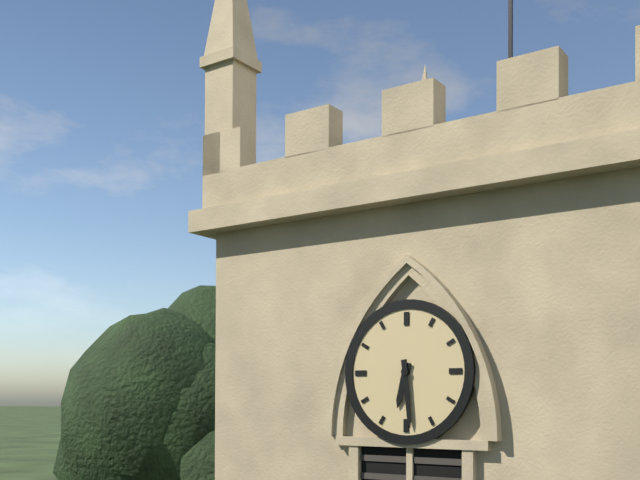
h=6 m=29
